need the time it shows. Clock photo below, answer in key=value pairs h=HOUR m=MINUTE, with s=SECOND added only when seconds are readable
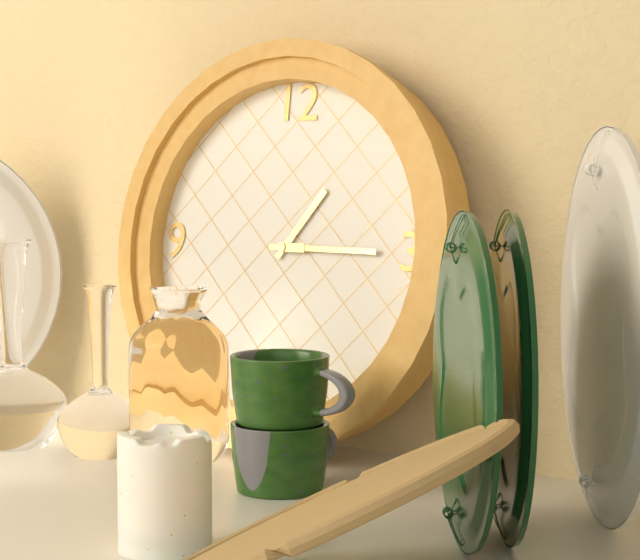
h=1 m=15
